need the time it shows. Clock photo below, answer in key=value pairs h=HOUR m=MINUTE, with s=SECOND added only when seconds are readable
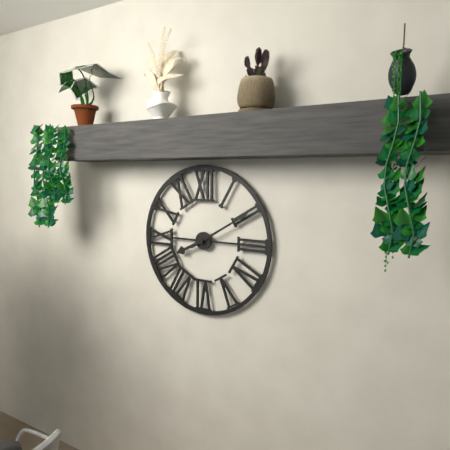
h=8 m=10
